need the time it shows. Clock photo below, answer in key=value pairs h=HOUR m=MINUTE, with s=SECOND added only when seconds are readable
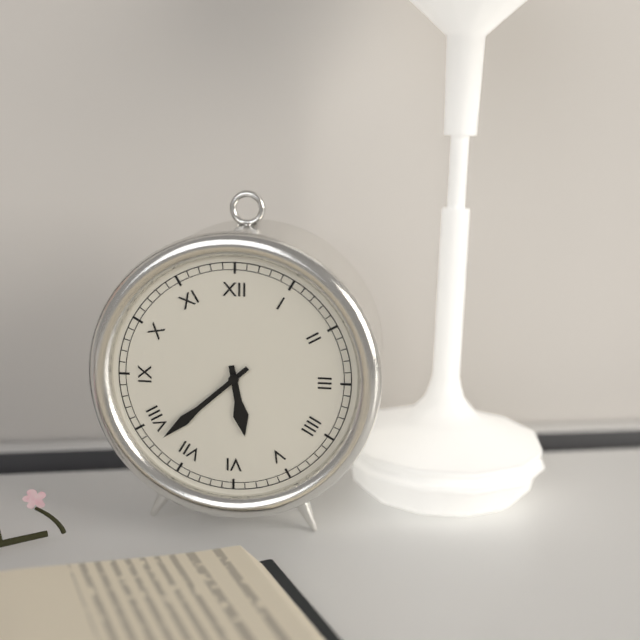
h=5 m=38
